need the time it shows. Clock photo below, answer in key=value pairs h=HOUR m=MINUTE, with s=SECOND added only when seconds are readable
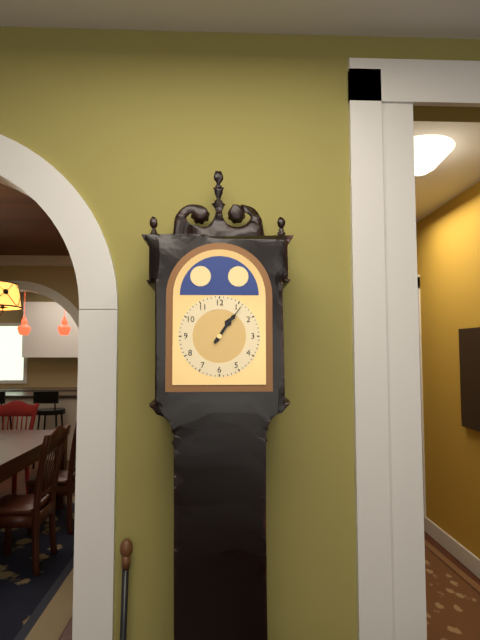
h=1 m=6
